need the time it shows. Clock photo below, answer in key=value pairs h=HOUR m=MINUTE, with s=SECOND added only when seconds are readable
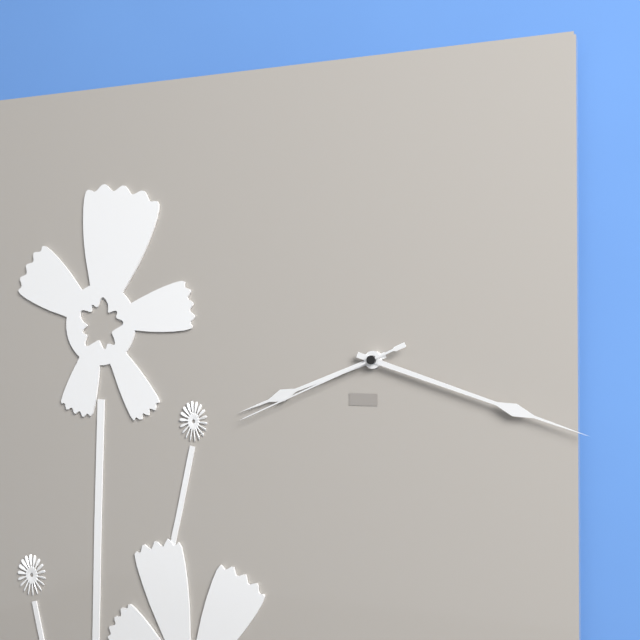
h=8 m=18 s=41
